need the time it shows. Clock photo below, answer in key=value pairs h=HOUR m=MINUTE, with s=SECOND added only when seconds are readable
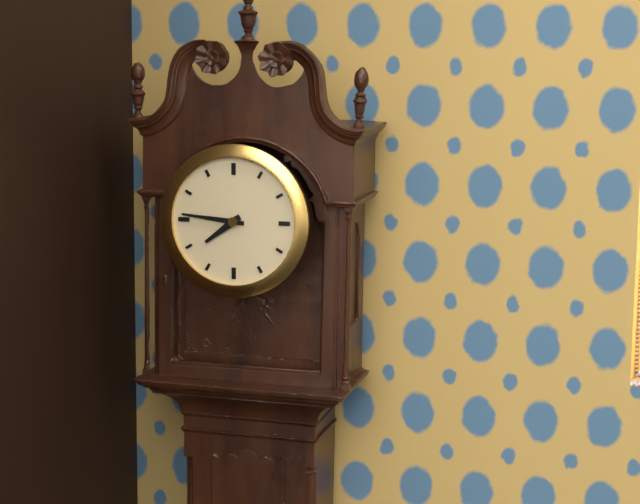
h=7 m=46
